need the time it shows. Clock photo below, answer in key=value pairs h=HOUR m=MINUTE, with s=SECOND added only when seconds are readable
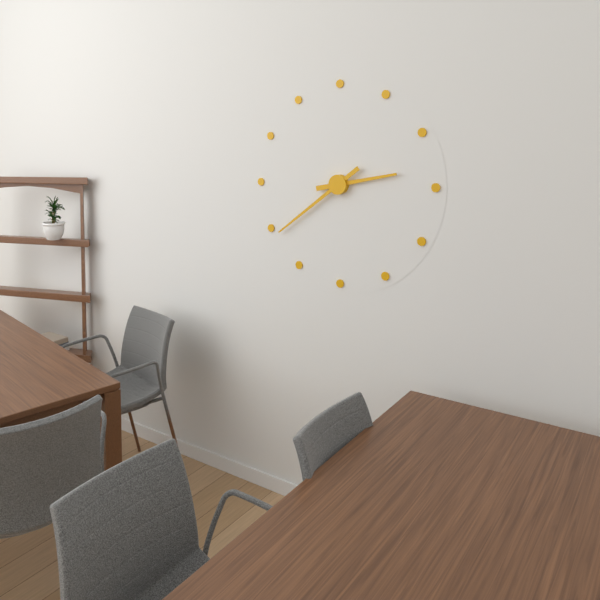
h=2 m=39
